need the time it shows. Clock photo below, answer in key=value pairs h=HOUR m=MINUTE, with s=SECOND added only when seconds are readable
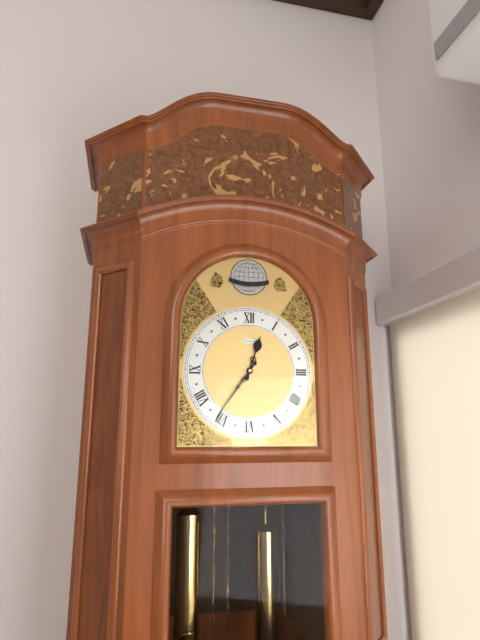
h=12 m=36
